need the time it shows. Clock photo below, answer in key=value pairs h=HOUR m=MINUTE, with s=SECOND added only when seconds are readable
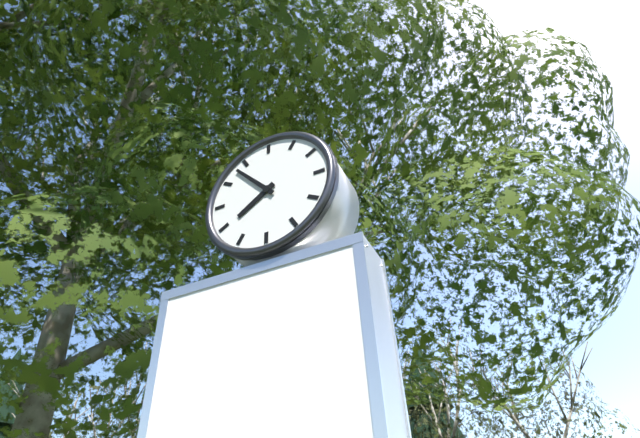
h=7 m=53
